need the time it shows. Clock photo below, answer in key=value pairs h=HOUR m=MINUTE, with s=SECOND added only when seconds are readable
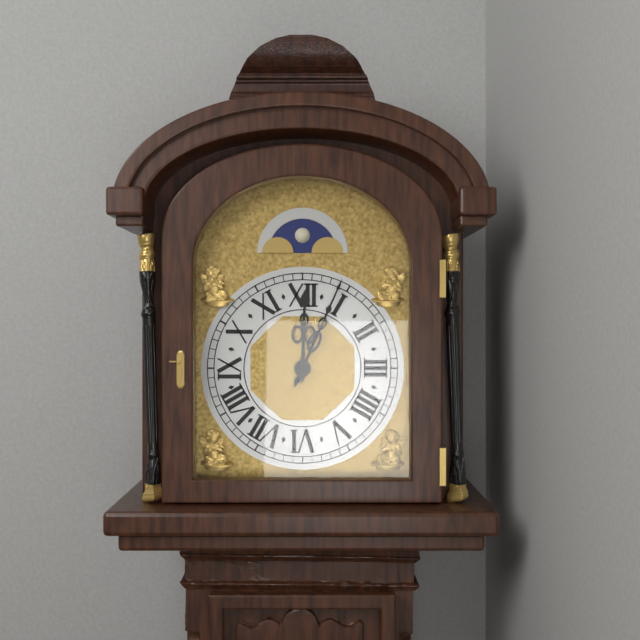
h=12 m=4
